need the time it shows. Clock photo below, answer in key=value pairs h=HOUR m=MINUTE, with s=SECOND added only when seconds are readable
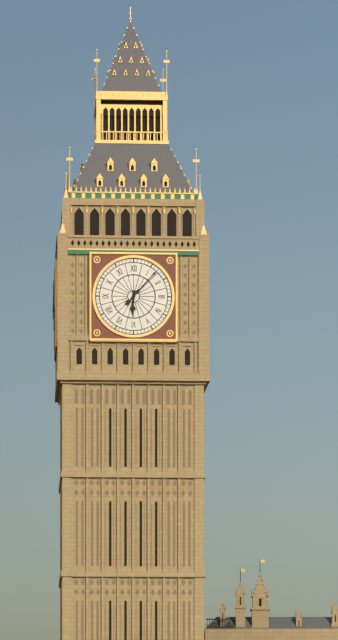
h=6 m=7
